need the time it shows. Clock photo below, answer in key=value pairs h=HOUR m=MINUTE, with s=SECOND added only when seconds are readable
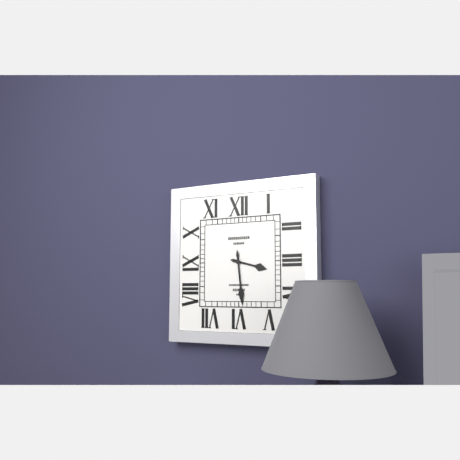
h=3 m=29
